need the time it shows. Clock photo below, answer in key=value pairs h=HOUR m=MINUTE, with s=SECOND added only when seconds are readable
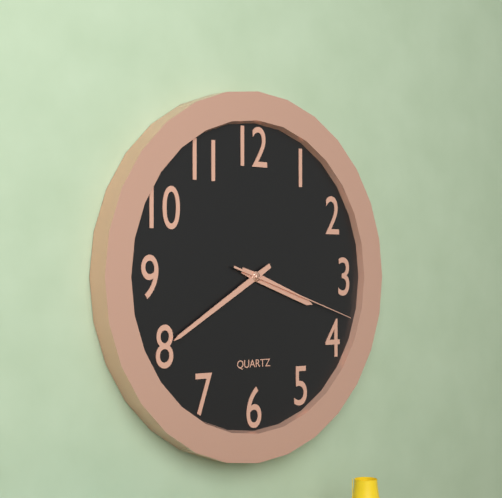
h=3 m=40 s=18
